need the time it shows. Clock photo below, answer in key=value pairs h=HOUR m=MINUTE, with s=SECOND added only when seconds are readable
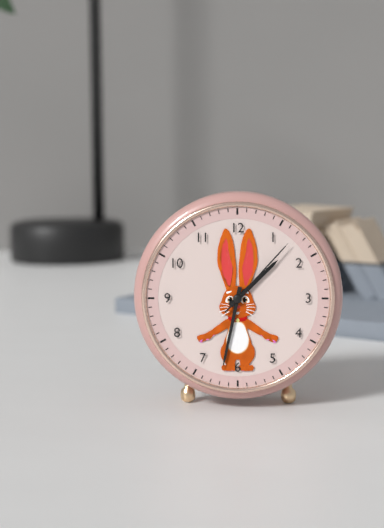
h=1 m=32 s=7
